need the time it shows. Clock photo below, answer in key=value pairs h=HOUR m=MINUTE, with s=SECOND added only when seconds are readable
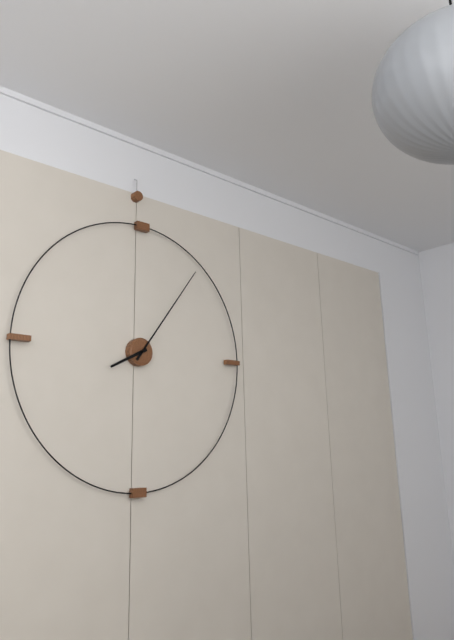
h=8 m=6
